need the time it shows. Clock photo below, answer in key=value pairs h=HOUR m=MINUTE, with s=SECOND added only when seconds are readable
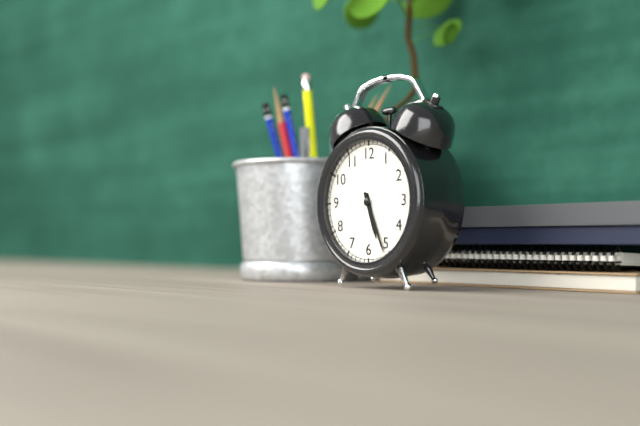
h=5 m=26
